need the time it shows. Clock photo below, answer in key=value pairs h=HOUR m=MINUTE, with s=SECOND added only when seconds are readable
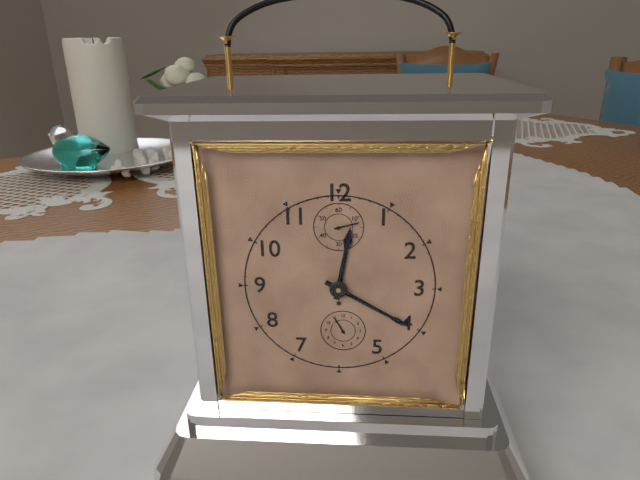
h=12 m=20
